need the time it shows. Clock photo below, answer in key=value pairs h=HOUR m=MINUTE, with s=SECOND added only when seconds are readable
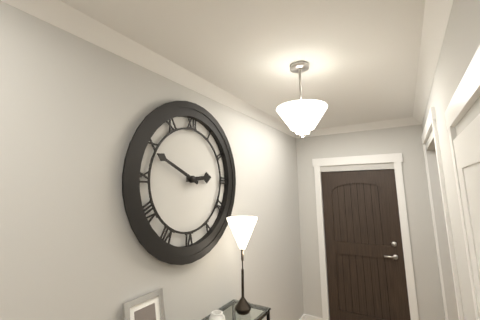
h=2 m=49
